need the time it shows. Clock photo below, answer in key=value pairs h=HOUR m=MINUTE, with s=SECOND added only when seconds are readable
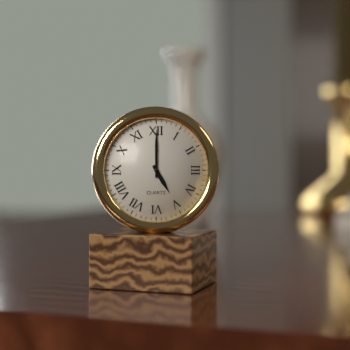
h=5 m=0
